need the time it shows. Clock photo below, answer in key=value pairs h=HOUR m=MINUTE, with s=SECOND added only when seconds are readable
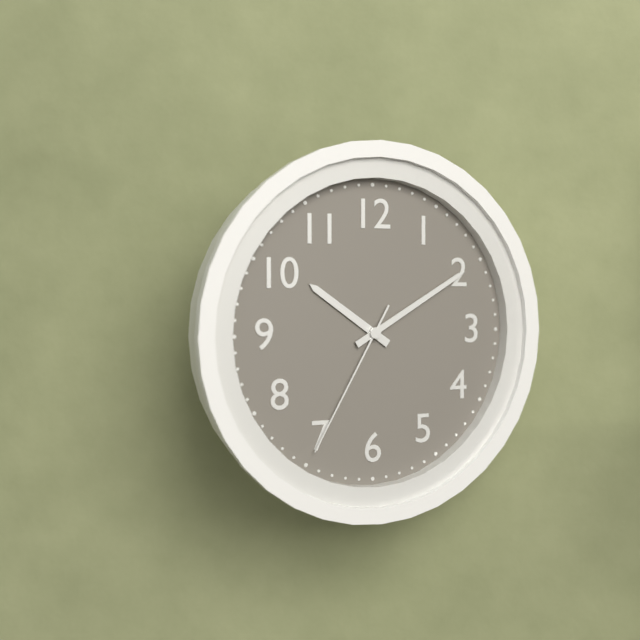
h=10 m=10 s=35
